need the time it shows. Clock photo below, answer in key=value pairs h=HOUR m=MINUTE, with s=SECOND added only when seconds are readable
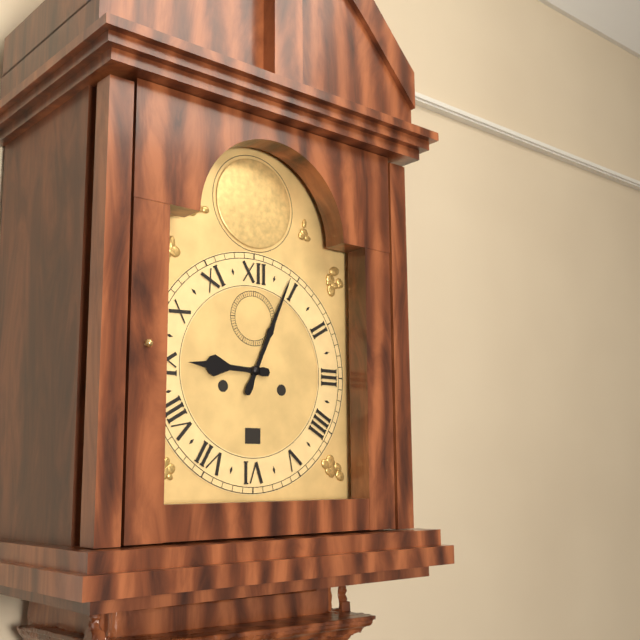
h=9 m=4
